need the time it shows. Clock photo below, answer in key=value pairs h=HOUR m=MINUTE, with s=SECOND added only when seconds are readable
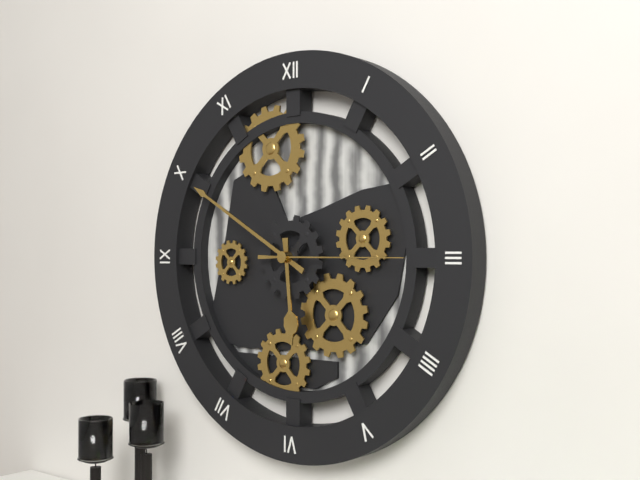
h=5 m=50 s=15
